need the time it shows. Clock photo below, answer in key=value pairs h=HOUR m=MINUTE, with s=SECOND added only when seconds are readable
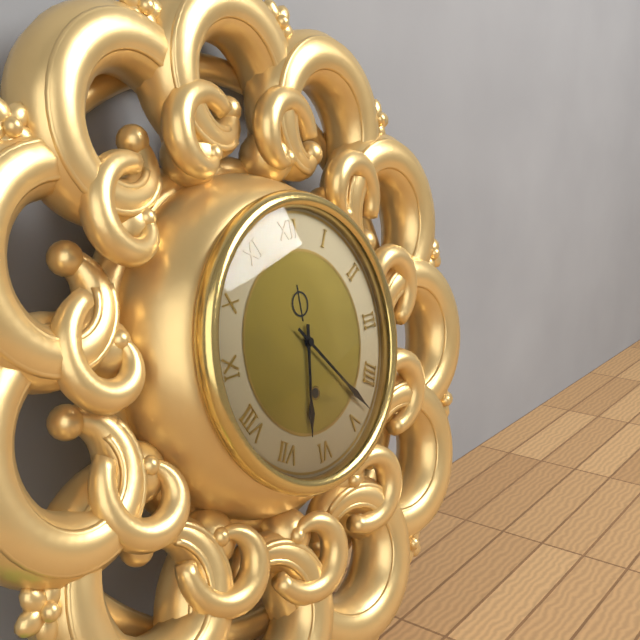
h=6 m=23
